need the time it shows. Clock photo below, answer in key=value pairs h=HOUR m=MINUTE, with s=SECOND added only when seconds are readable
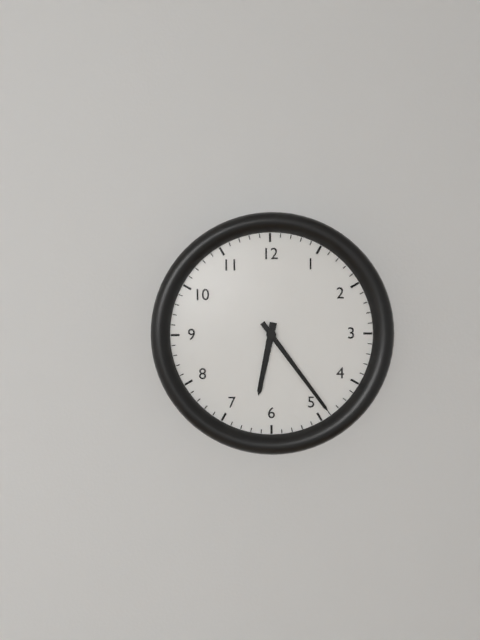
h=6 m=24
